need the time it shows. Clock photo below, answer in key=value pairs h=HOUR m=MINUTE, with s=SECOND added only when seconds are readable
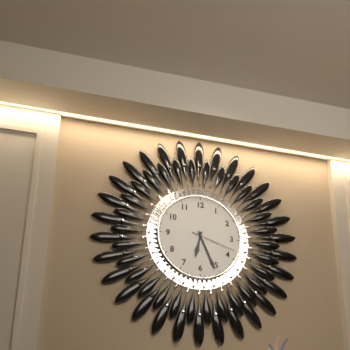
h=6 m=26
